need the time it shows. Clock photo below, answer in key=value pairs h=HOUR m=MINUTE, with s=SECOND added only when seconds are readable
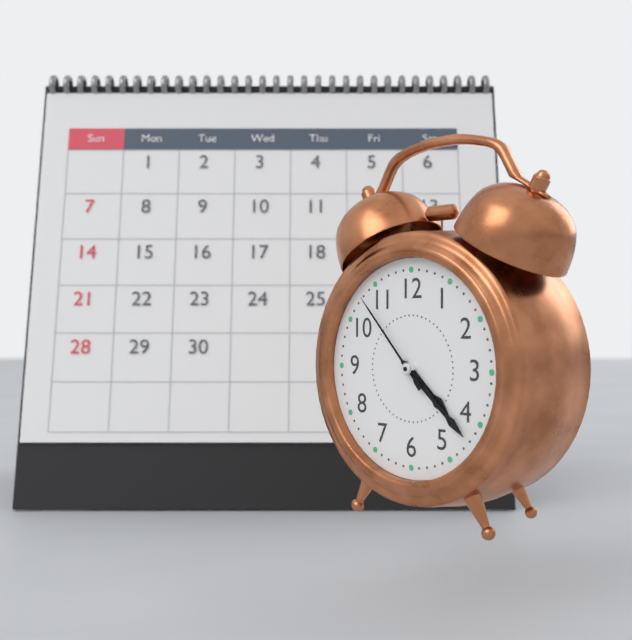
h=4 m=22 s=53
